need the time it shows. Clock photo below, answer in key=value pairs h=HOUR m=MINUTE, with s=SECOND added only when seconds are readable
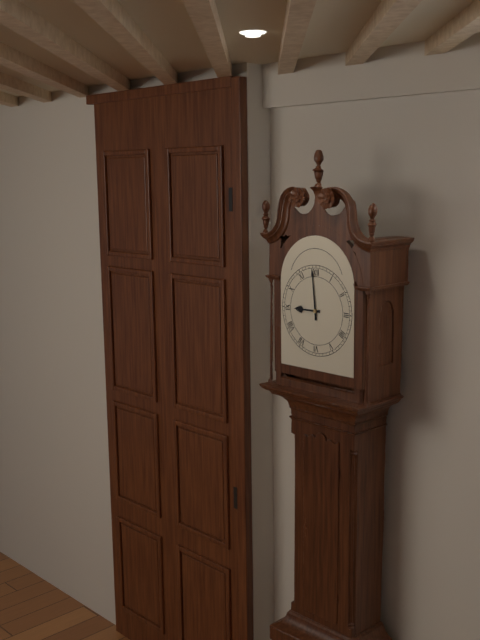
h=8 m=59
